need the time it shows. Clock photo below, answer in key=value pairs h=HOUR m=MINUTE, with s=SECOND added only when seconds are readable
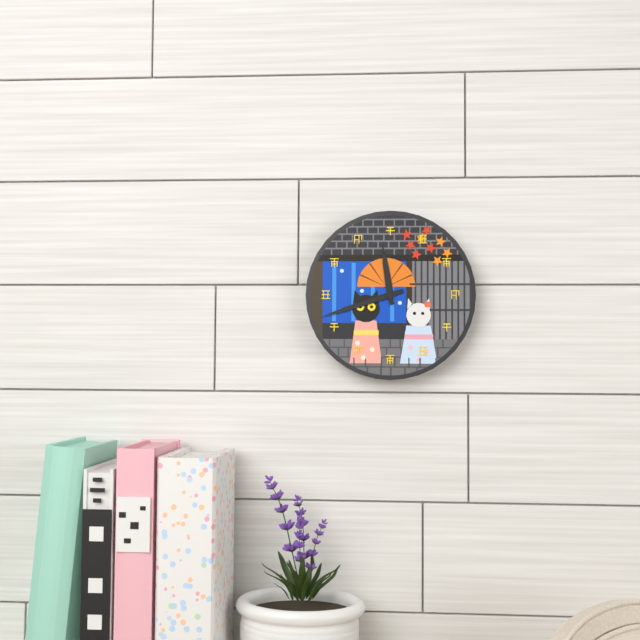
h=11 m=42
